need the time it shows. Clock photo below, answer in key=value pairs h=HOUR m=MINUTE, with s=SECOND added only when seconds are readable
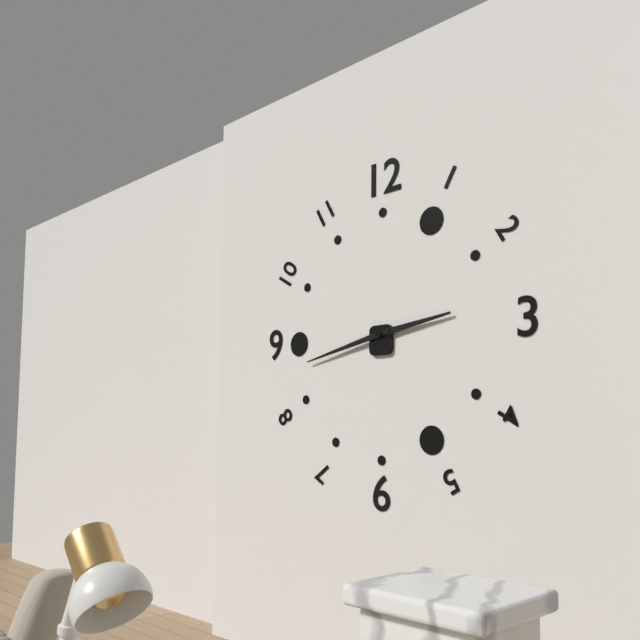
h=2 m=43
